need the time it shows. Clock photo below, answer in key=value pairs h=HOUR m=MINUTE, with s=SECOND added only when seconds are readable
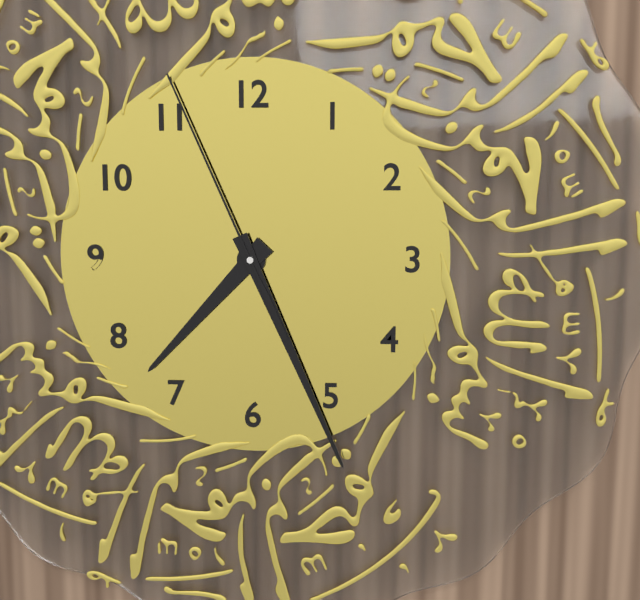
h=7 m=26 s=56
